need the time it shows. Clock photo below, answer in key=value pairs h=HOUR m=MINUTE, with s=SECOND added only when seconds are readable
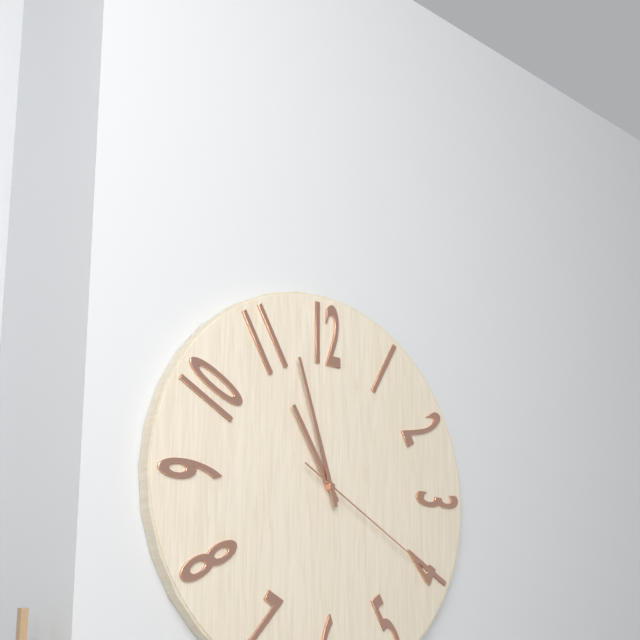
h=10 m=57 s=20
